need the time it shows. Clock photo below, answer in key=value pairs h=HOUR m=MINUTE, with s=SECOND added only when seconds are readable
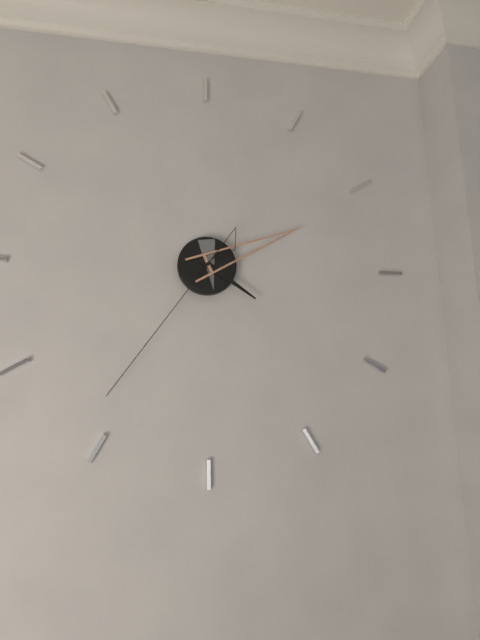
h=4 m=11 s=36
